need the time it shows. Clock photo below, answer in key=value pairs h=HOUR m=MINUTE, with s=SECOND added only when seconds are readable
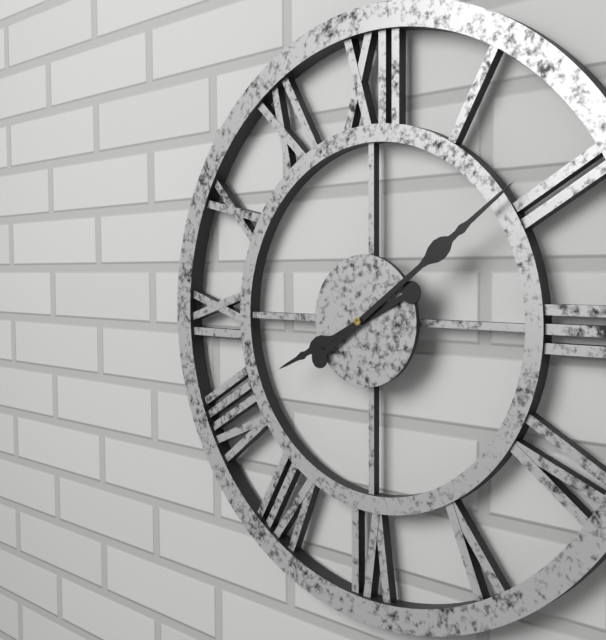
h=8 m=9
